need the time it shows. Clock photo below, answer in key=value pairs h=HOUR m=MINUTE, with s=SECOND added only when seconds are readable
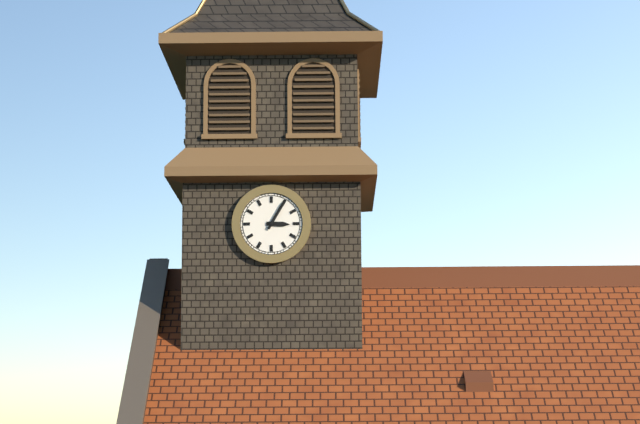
h=3 m=5
